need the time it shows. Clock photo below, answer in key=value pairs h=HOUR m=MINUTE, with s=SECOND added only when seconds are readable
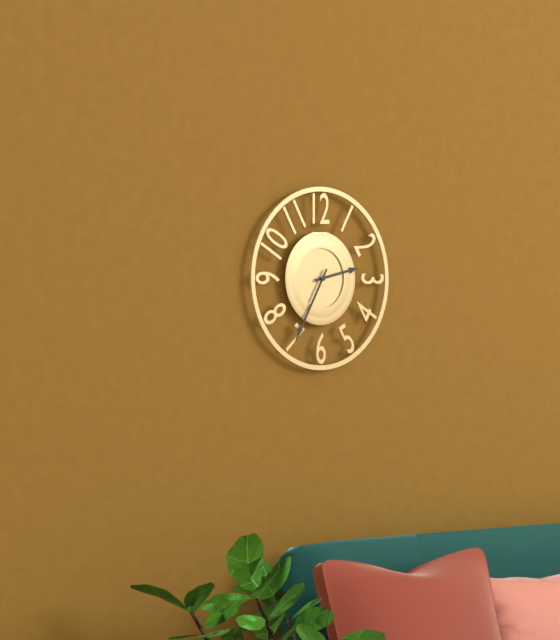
h=2 m=35
